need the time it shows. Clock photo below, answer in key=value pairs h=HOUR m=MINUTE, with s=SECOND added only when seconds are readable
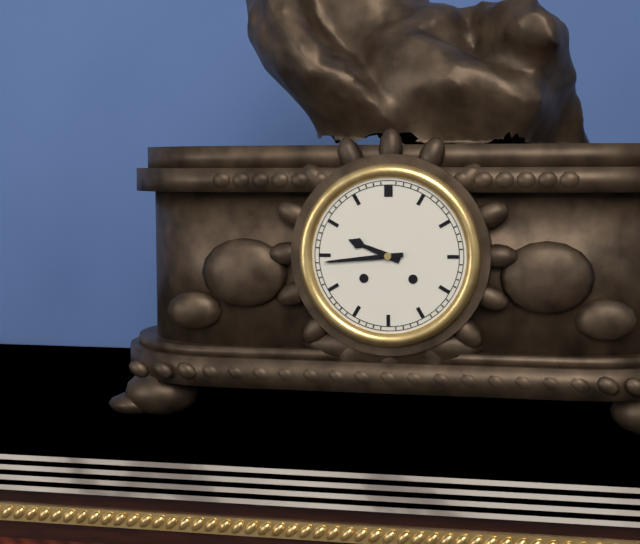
h=9 m=44
